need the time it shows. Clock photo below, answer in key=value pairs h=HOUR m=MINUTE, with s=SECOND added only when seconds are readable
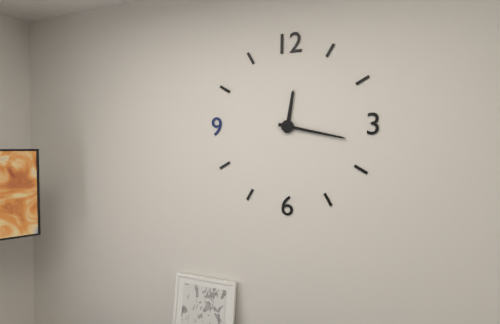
h=12 m=17
